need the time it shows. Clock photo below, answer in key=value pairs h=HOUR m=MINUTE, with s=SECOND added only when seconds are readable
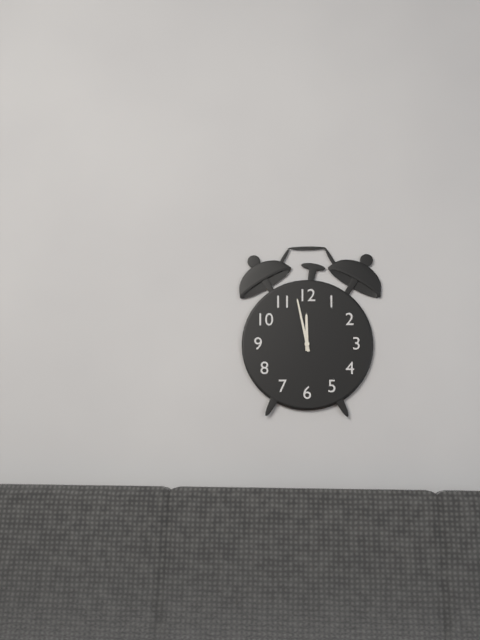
h=11 m=58
